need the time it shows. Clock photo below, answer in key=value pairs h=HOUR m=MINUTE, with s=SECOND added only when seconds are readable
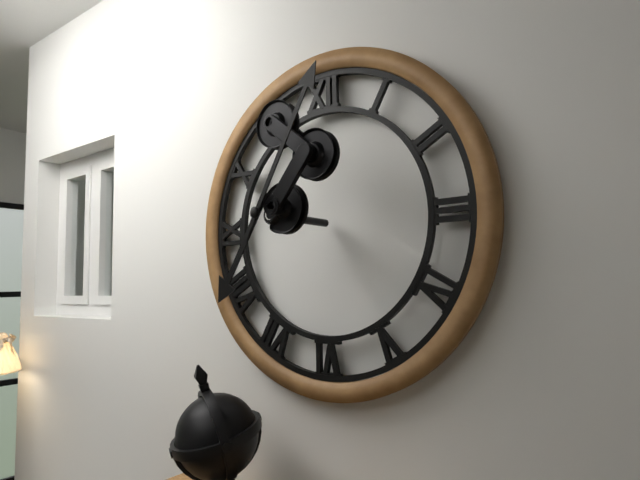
h=7 m=5
